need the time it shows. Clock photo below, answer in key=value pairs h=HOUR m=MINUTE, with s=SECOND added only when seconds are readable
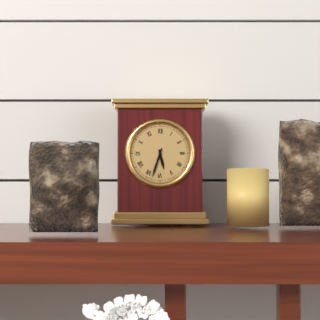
h=5 m=33
